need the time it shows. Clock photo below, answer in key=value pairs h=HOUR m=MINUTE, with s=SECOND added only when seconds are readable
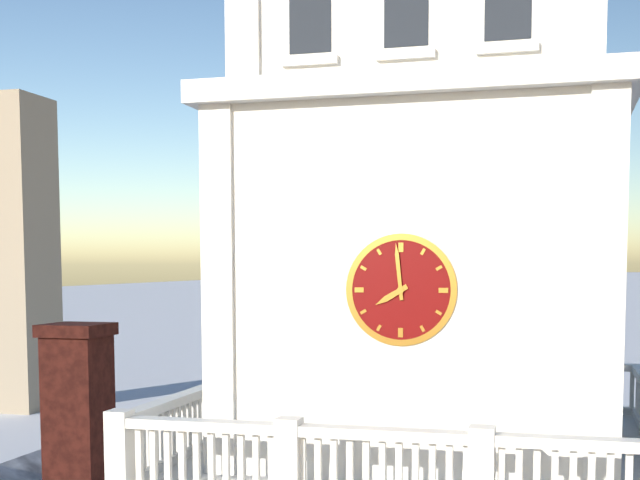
h=7 m=59
